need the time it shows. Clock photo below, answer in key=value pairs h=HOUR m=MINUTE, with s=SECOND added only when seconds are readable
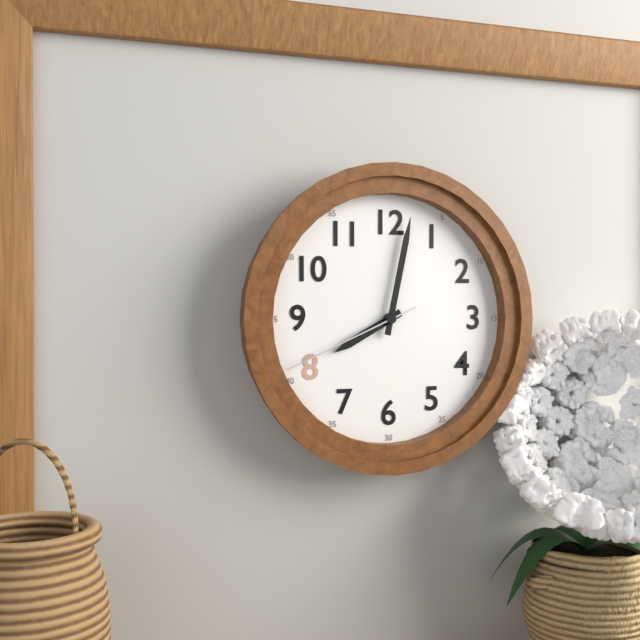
h=8 m=2 s=41
